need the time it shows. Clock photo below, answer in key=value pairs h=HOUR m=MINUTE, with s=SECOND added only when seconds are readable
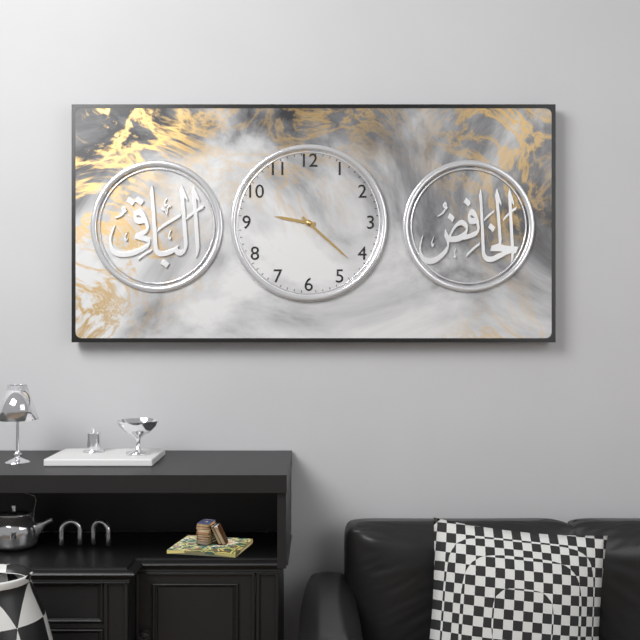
h=9 m=22
